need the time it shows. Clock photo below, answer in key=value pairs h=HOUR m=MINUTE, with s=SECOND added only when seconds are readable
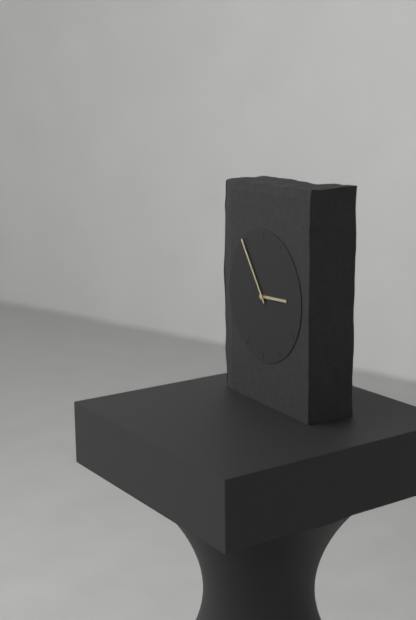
h=2 m=54
